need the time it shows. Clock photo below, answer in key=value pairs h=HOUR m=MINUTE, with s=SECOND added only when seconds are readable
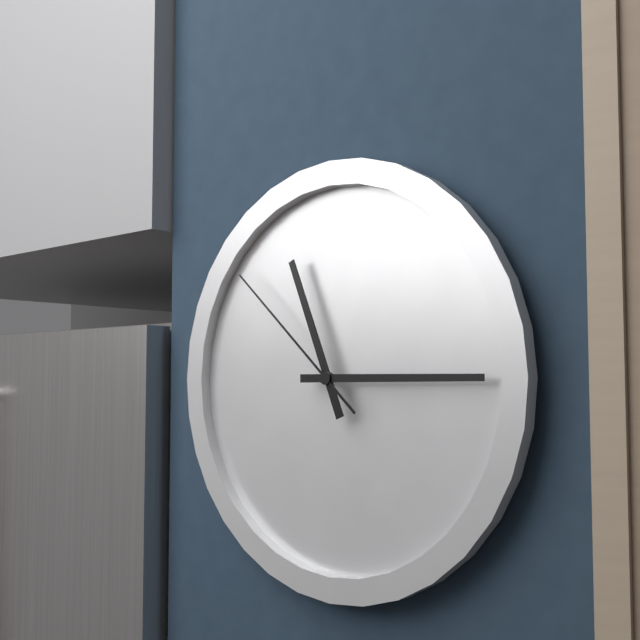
h=11 m=15 s=52
